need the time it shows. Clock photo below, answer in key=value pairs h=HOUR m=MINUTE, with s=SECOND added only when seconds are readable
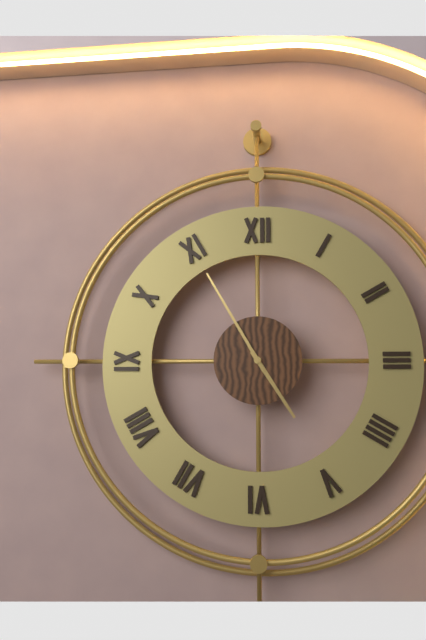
h=4 m=55
